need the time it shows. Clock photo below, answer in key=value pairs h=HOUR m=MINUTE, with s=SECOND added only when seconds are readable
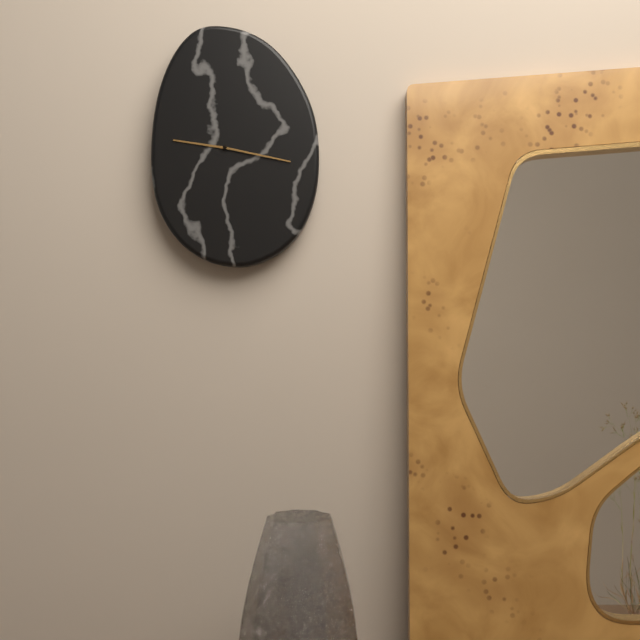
h=9 m=17
